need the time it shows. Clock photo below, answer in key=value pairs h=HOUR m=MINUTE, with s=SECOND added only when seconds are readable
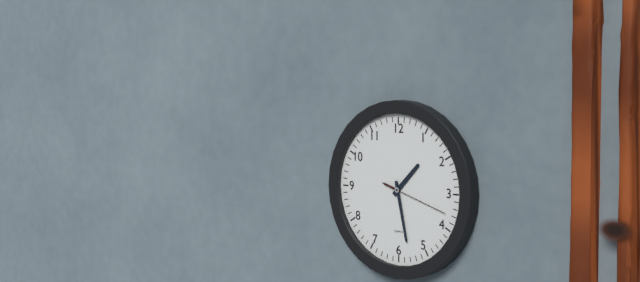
h=1 m=28 s=18
